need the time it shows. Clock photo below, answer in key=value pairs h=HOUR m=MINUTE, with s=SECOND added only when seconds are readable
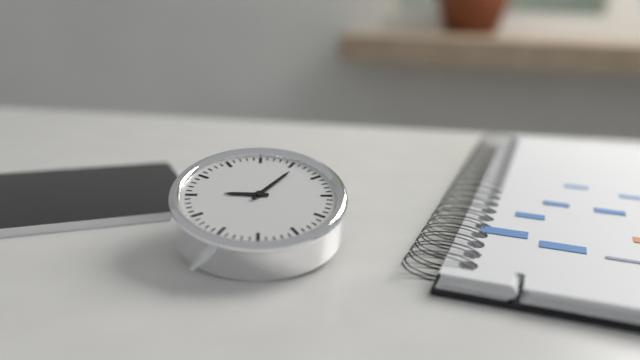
h=9 m=6
